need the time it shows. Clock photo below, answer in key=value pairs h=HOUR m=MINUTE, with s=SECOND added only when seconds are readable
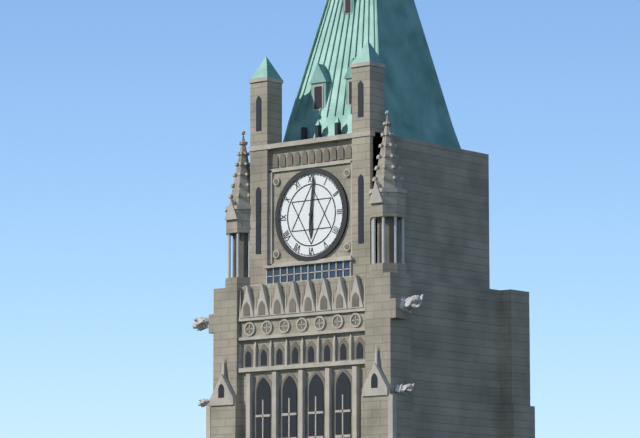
h=6 m=1
